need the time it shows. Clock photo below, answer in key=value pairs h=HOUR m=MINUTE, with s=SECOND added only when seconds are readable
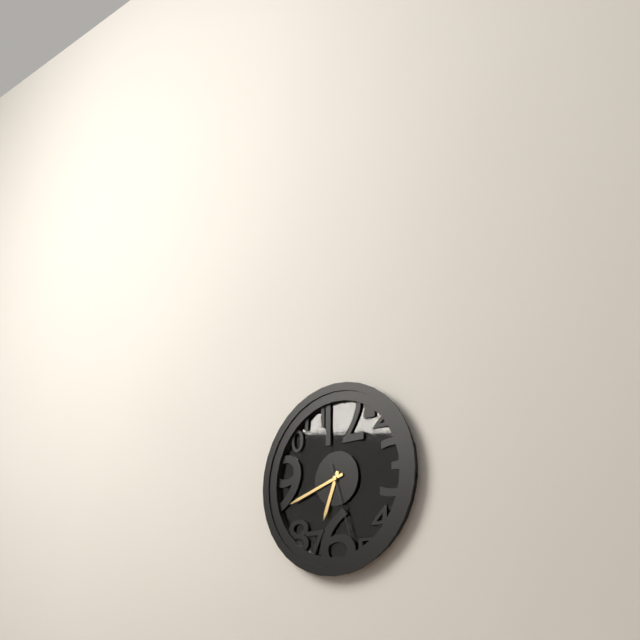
h=6 m=42 s=27
